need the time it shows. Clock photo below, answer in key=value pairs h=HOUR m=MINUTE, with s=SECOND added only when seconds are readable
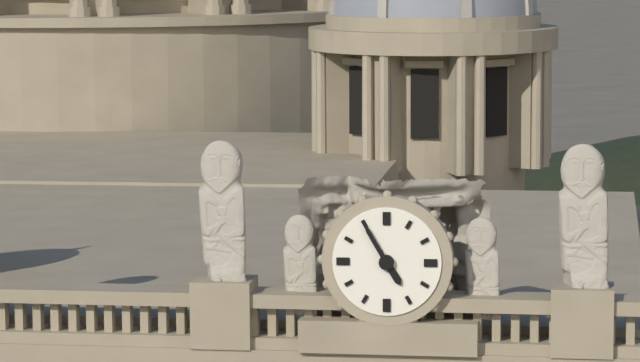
h=4 m=55
